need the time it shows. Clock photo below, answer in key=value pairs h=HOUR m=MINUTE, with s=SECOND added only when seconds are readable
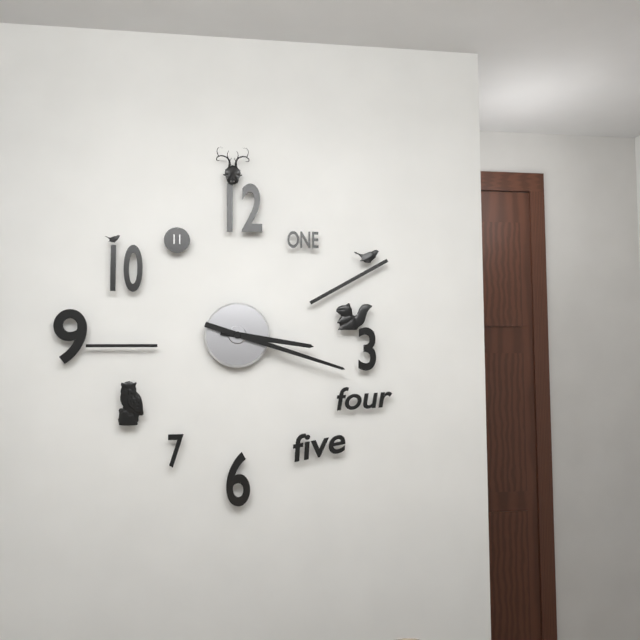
h=3 m=18
